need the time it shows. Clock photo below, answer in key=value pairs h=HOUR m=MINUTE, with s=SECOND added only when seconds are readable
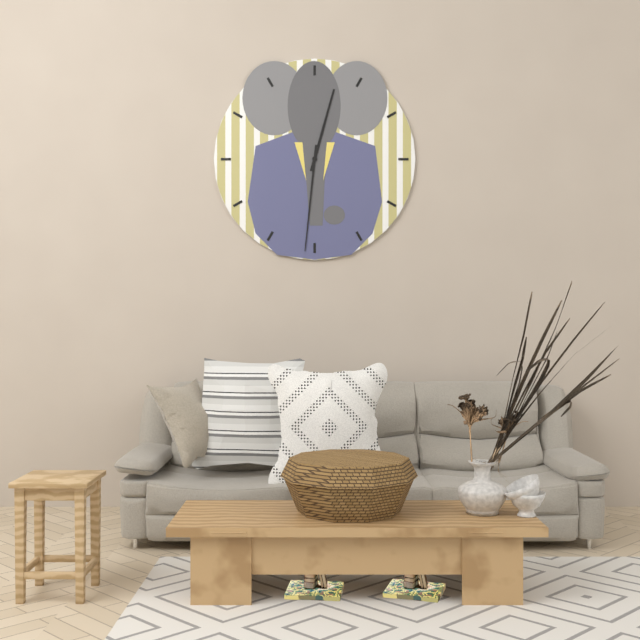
h=12 m=31
